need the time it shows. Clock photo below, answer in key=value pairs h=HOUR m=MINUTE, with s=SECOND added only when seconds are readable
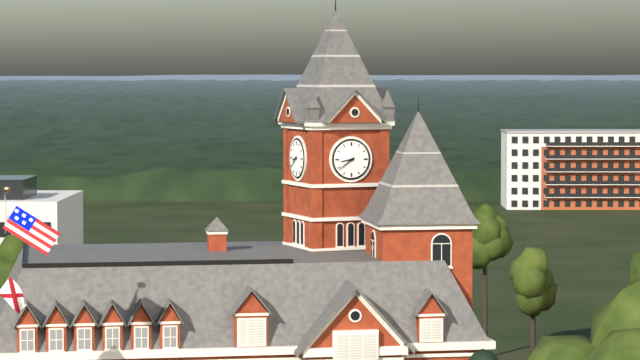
h=8 m=39
